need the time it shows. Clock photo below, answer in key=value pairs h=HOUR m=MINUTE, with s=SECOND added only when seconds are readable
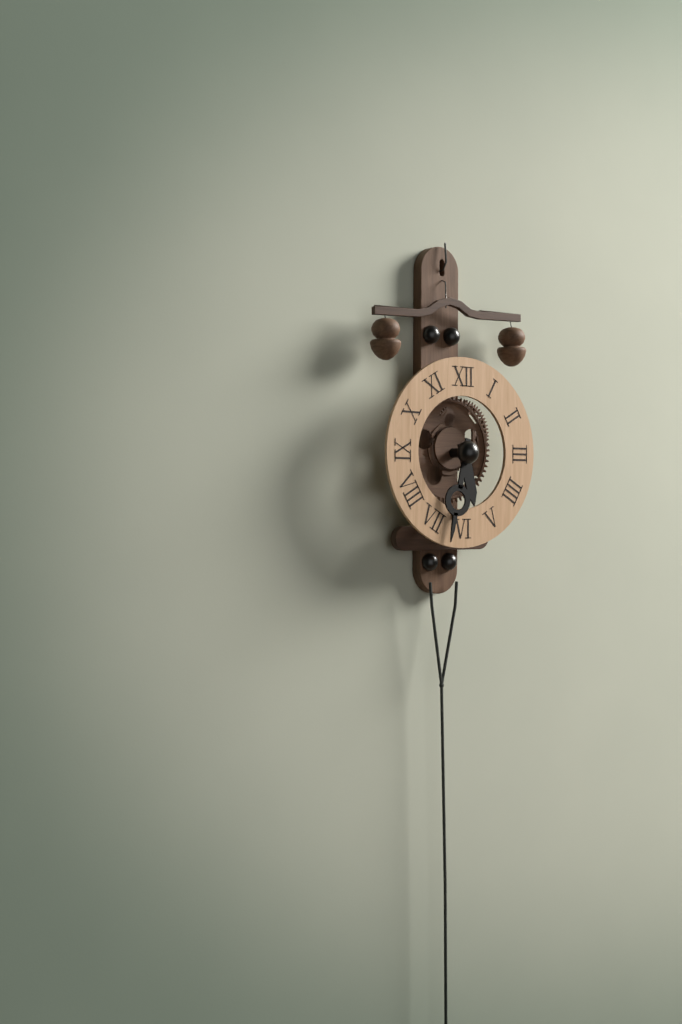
h=5 m=32
